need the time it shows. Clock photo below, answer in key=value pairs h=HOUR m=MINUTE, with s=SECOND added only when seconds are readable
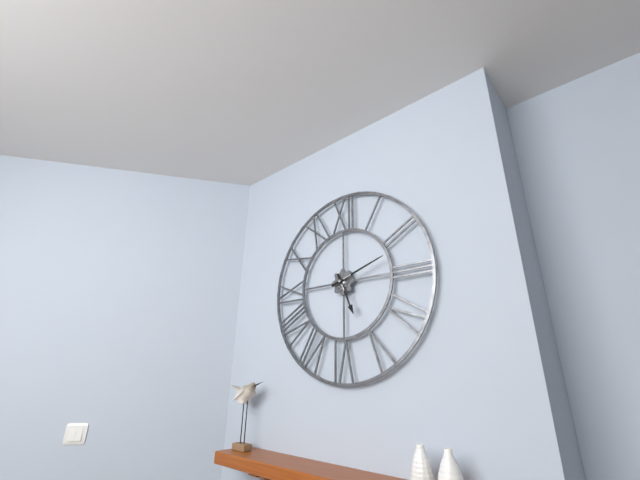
h=5 m=12
